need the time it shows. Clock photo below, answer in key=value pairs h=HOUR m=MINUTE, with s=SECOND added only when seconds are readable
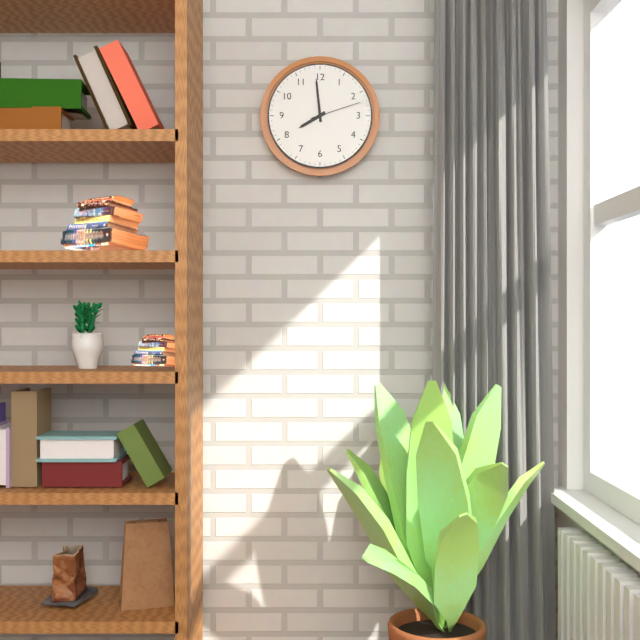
h=7 m=59 s=12
